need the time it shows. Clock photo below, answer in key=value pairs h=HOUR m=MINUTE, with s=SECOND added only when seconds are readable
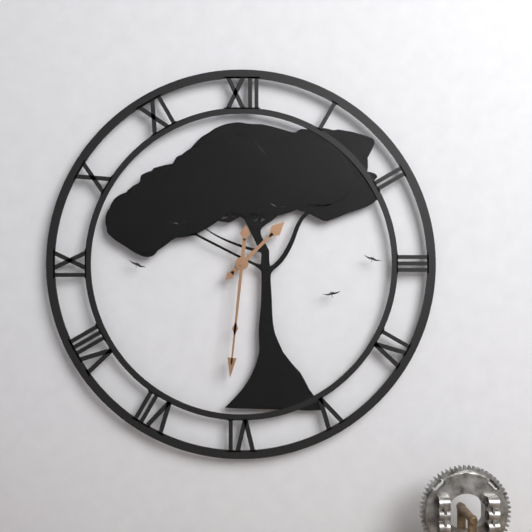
h=1 m=31
